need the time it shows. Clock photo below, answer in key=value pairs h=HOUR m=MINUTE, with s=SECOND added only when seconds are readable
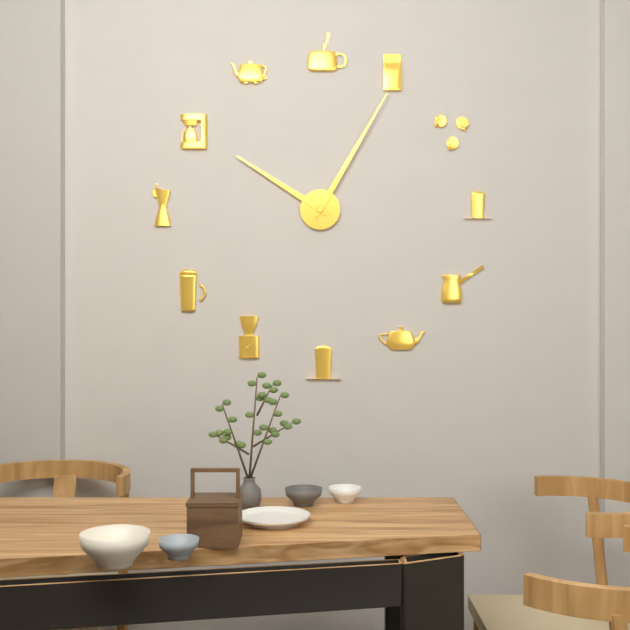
h=10 m=5
